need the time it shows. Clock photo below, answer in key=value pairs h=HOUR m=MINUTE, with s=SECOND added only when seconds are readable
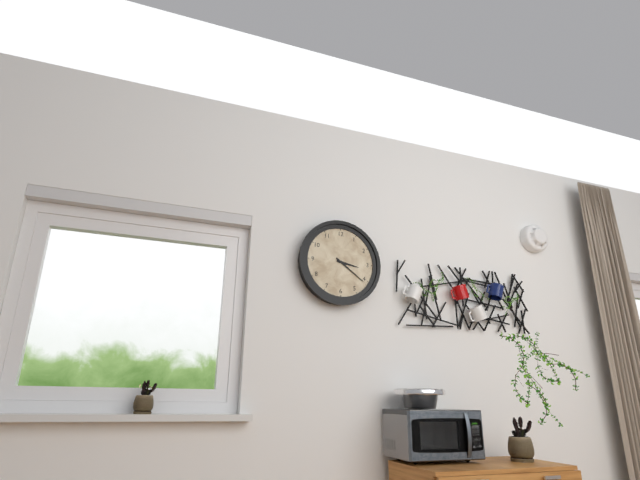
h=3 m=21
